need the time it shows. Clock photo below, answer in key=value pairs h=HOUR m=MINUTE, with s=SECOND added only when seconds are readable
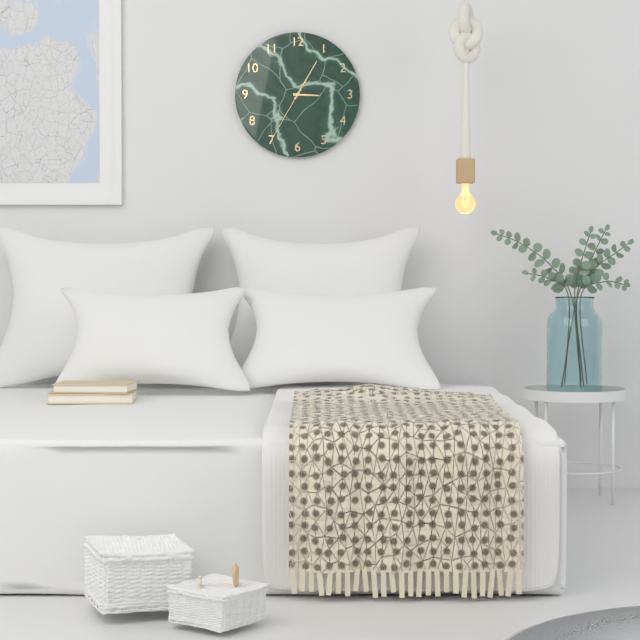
h=3 m=5 s=35
